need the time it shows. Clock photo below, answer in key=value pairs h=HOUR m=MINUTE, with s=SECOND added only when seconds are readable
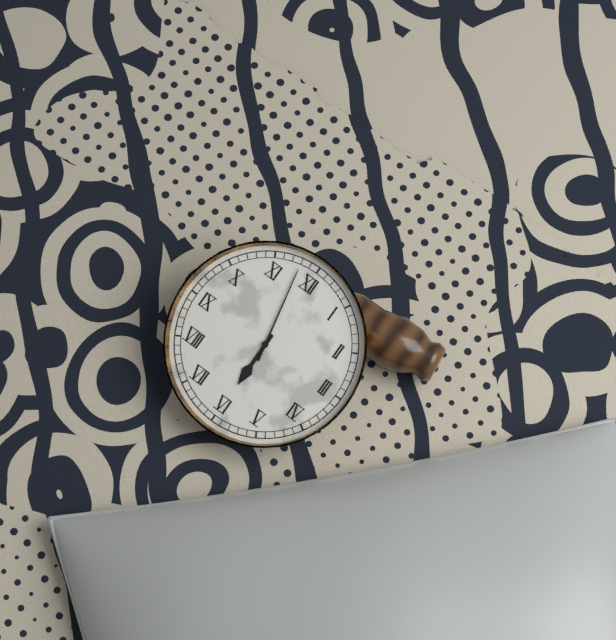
h=5 m=58
